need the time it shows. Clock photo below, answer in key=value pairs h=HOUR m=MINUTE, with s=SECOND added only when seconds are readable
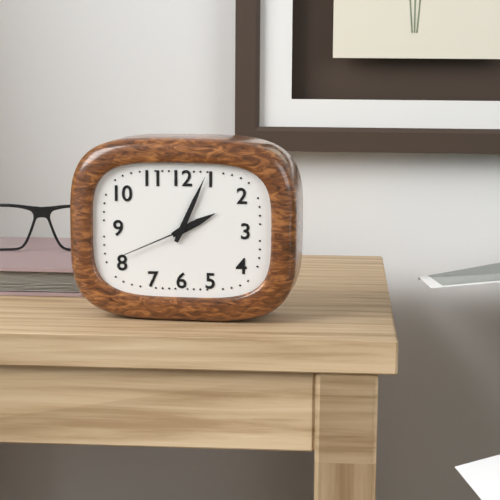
h=2 m=4 s=41
